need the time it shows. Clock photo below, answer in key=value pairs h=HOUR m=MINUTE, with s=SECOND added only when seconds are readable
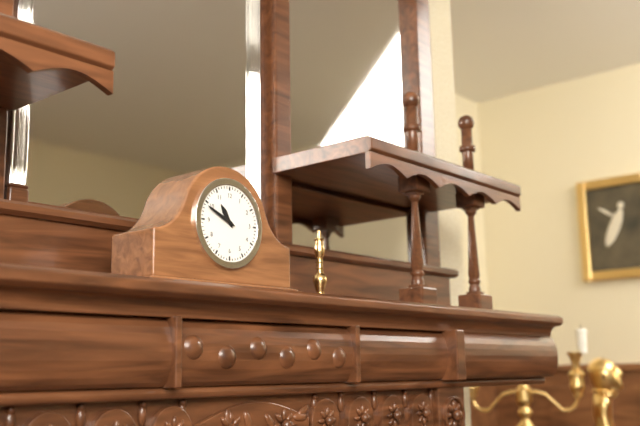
h=10 m=49
